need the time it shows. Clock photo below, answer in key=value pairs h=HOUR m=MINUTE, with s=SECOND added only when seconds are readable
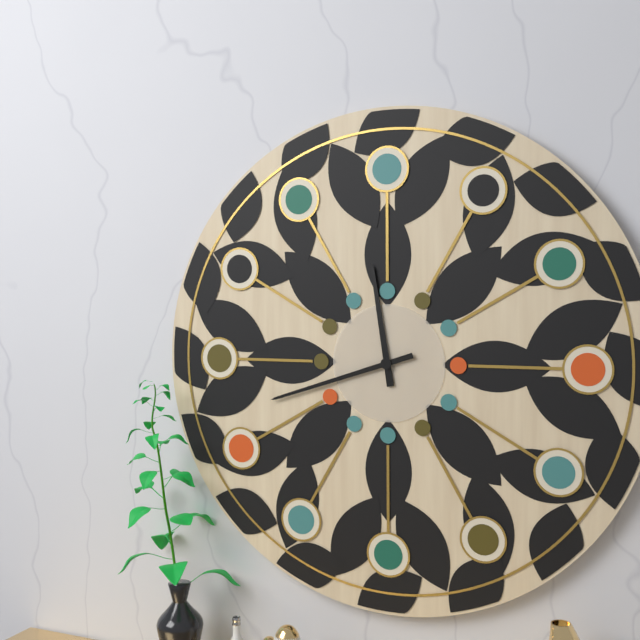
h=11 m=42
